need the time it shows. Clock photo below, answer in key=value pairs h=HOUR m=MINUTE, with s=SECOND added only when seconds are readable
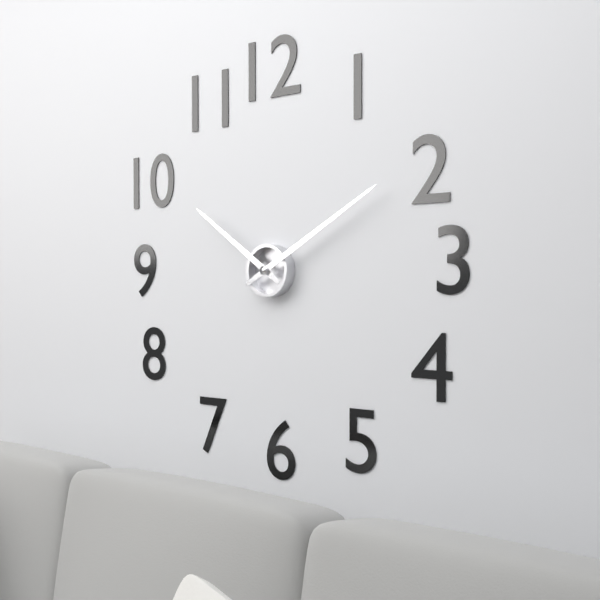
h=10 m=10
